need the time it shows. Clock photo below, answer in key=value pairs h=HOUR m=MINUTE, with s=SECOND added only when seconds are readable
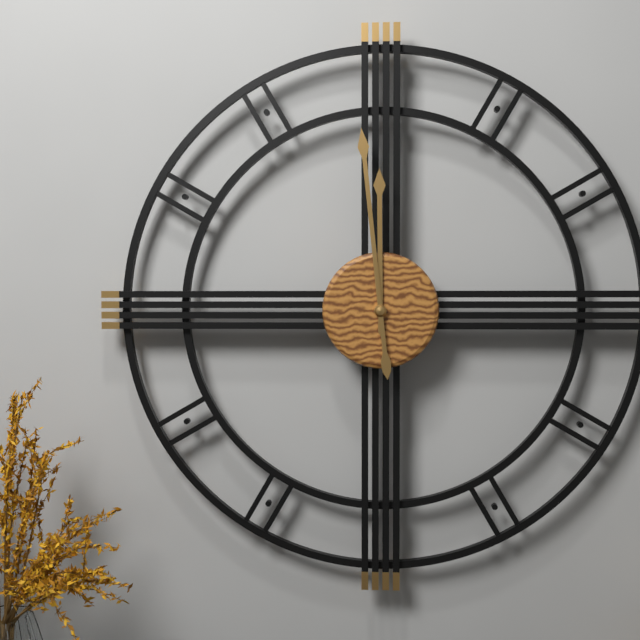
h=11 m=59
